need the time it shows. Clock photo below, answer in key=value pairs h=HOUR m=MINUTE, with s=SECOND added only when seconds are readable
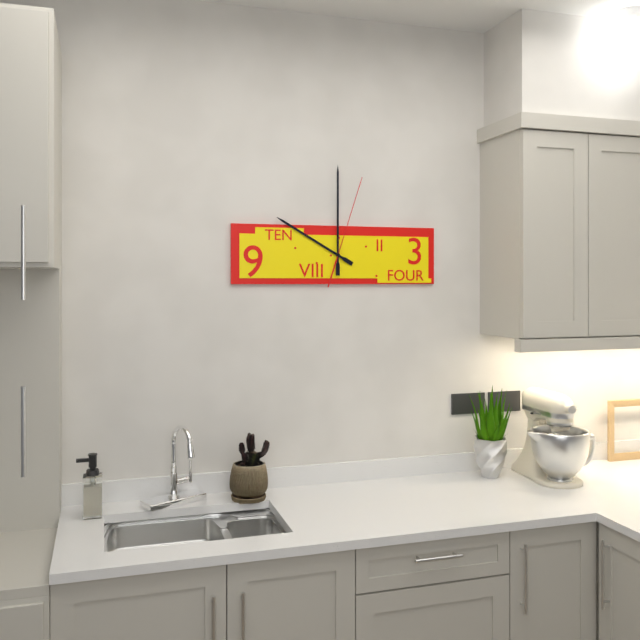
h=10 m=0 s=3
